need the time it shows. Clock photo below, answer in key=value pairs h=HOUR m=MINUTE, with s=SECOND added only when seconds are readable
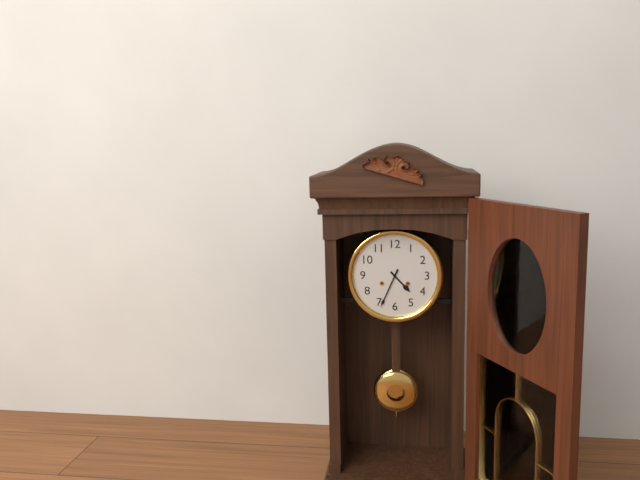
h=4 m=34
